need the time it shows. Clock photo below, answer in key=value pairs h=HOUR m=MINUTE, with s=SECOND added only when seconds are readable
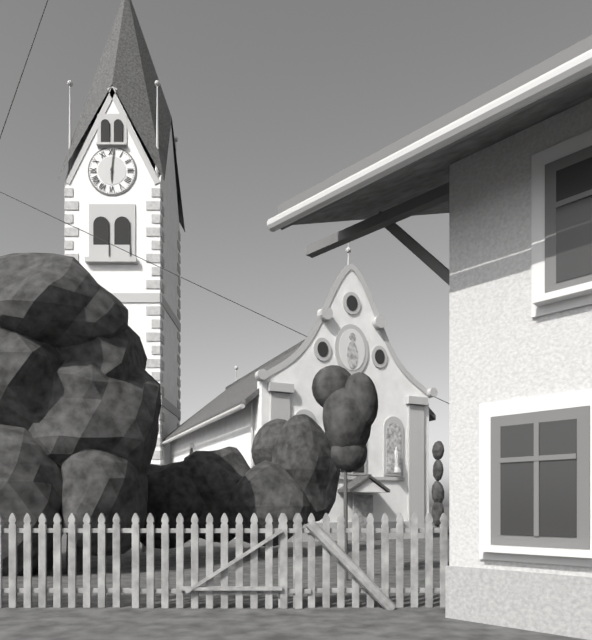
h=6 m=1
